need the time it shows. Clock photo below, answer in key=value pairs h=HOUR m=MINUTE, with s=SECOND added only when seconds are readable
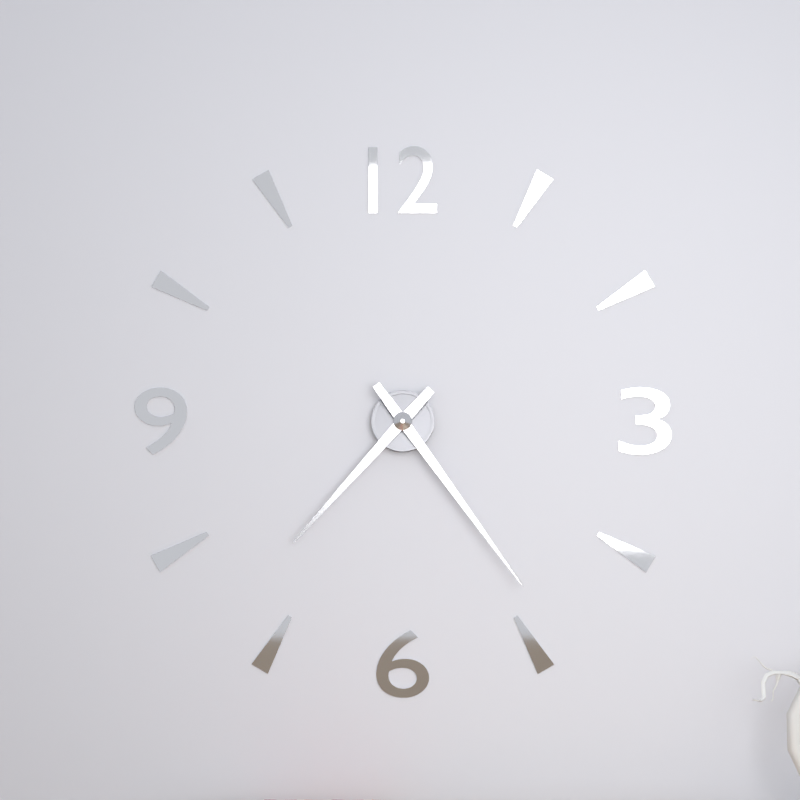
h=7 m=24
